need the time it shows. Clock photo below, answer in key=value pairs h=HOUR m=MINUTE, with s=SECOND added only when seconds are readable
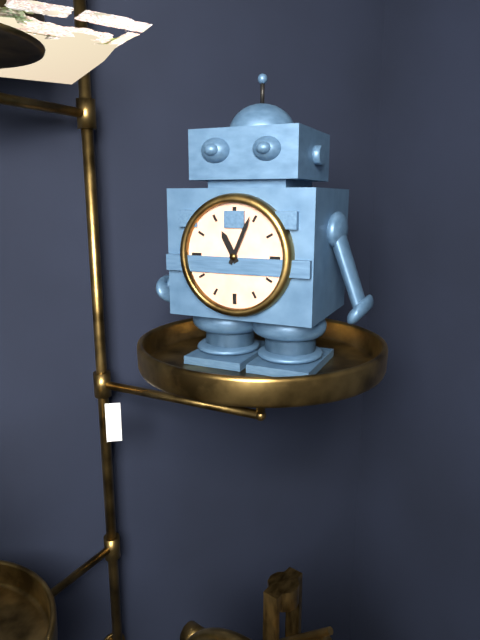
h=11 m=4
